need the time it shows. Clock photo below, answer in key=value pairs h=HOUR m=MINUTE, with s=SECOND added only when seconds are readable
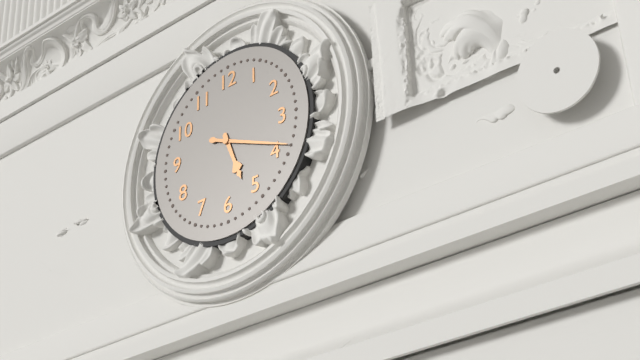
h=5 m=19
